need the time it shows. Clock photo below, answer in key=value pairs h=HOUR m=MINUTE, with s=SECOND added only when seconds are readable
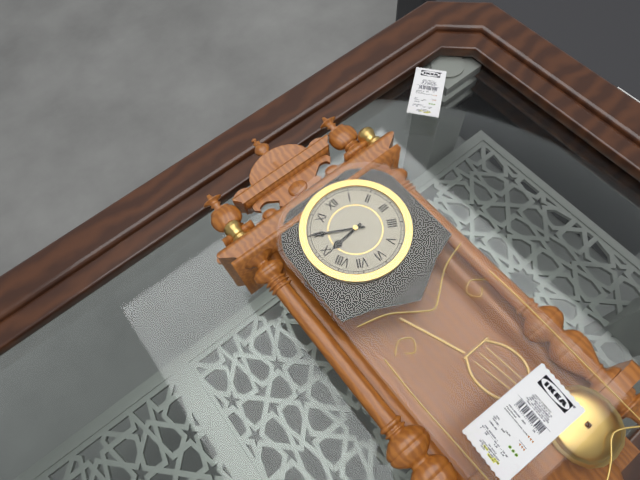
h=8 m=50
